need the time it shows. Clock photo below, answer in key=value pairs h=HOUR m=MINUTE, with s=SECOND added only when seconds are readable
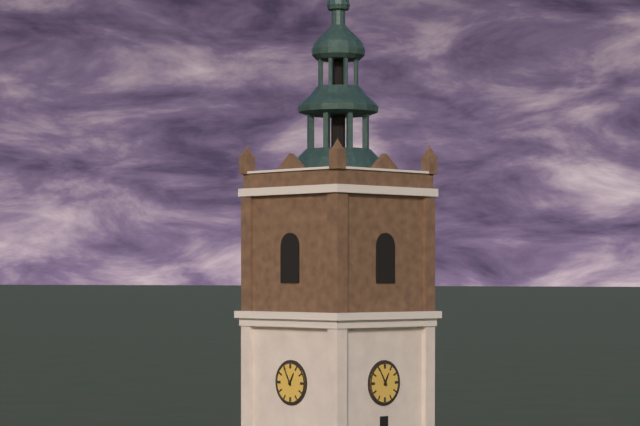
h=12 m=55
